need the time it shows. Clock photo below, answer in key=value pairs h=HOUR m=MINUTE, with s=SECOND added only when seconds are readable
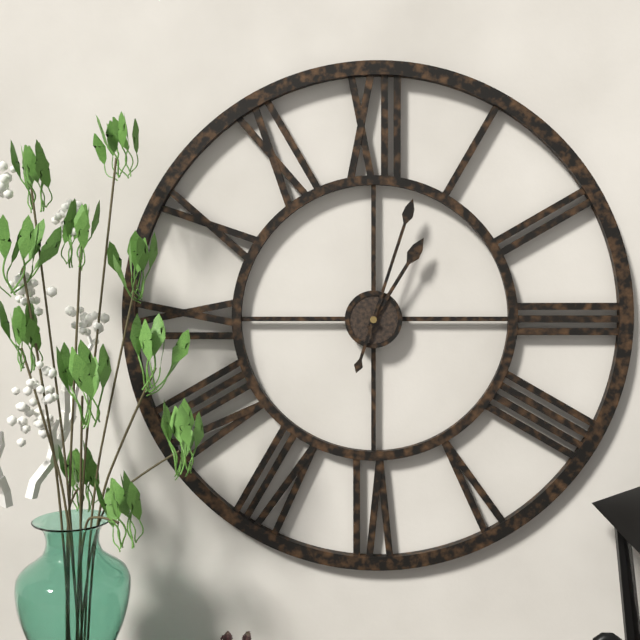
h=1 m=3
